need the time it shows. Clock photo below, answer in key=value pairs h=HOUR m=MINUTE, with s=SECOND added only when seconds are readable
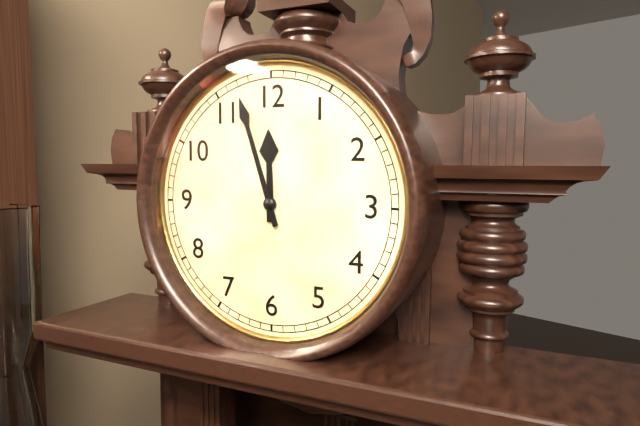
h=11 m=57
